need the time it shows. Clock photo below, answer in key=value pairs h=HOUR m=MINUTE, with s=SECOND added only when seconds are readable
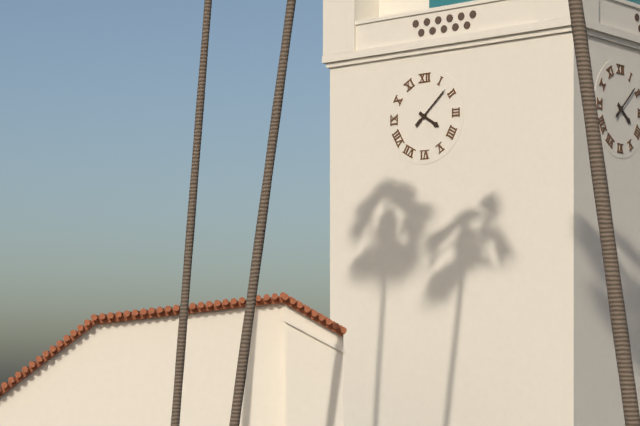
h=4 m=8
